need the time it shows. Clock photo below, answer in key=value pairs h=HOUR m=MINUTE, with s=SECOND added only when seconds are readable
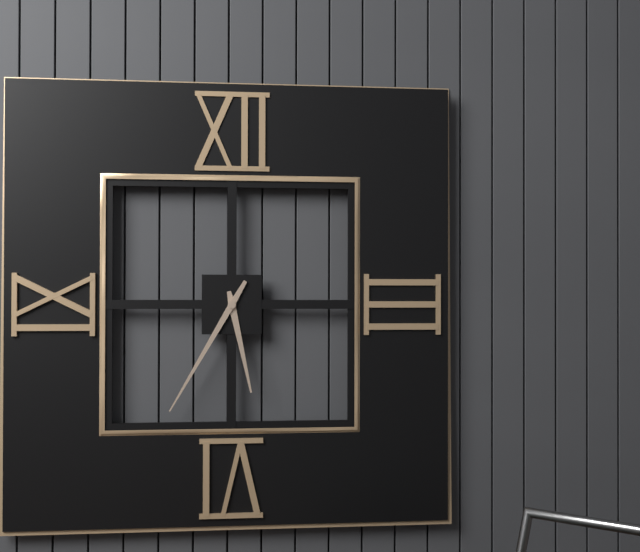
h=5 m=35
